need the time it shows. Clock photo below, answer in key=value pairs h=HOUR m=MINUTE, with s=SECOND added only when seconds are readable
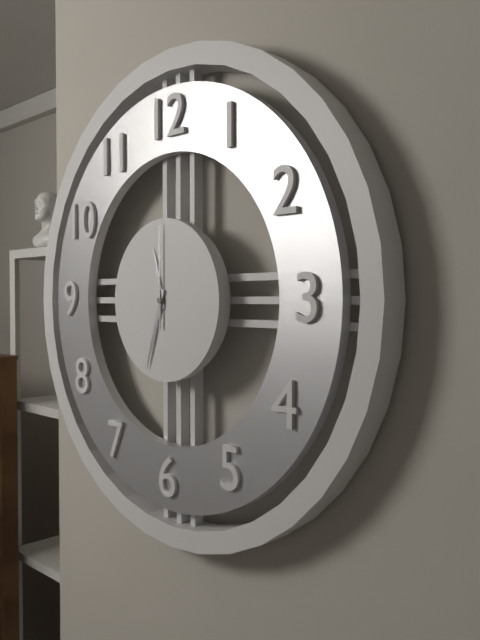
h=11 m=33 s=0
